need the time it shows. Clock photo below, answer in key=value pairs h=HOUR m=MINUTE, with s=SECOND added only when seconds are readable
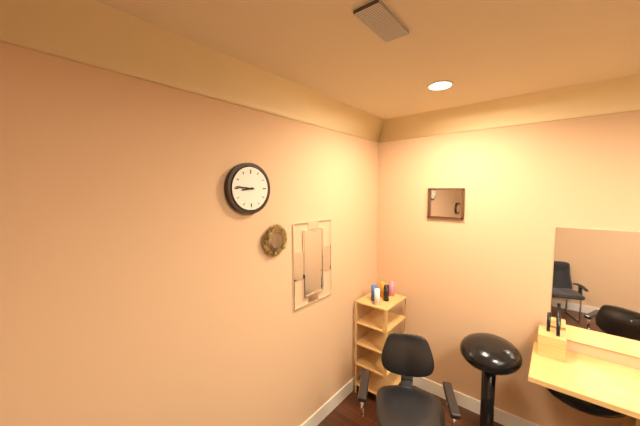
h=8 m=46
